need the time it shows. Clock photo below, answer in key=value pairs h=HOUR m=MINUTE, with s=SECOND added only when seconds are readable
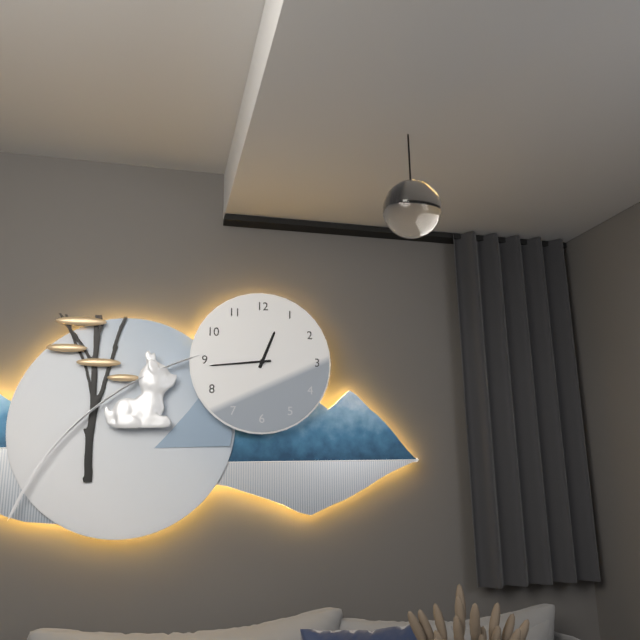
h=12 m=44
